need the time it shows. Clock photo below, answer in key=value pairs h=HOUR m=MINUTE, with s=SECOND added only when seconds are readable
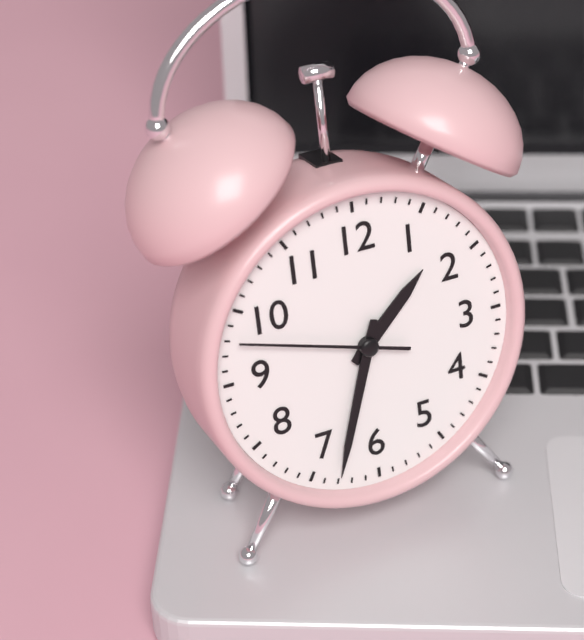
h=1 m=33 s=48
